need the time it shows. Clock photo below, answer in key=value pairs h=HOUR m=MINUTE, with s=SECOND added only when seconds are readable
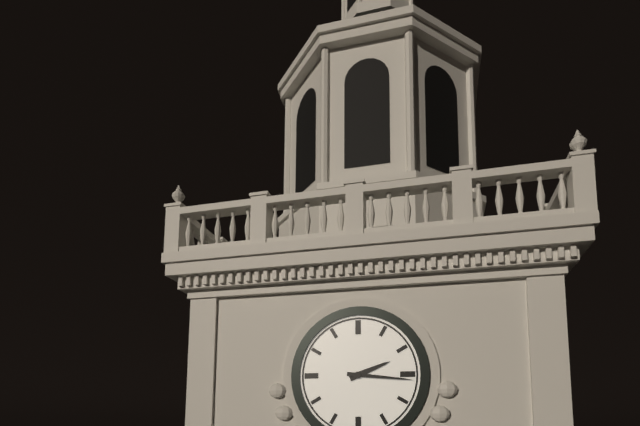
h=2 m=16
